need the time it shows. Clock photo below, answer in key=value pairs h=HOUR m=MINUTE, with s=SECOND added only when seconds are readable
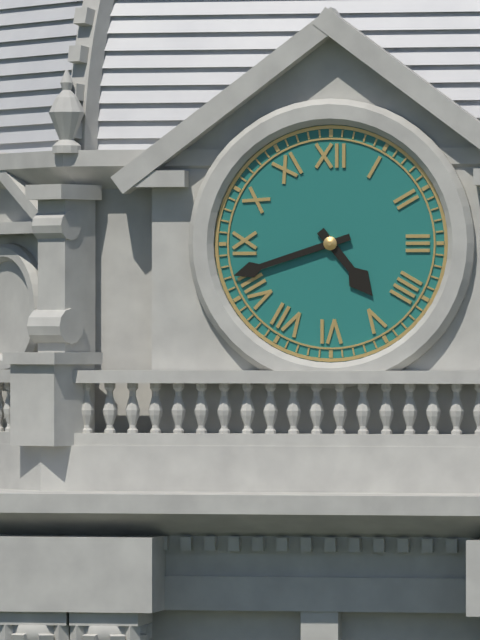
h=4 m=42
